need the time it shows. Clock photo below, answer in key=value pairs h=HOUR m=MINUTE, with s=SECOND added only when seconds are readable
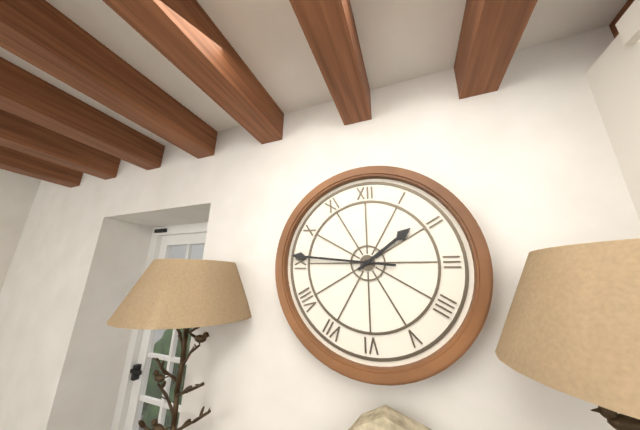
h=1 m=46
